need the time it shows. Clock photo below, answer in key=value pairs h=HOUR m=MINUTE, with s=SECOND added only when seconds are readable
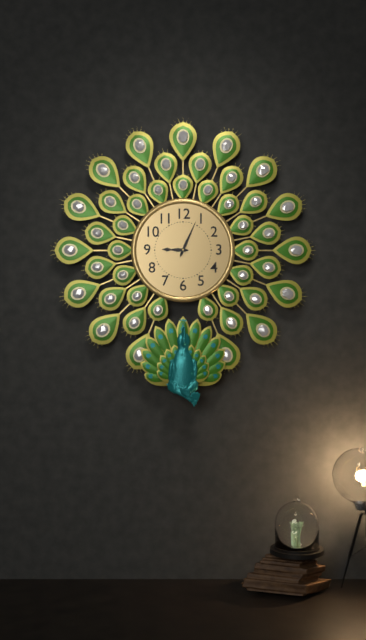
h=9 m=4
